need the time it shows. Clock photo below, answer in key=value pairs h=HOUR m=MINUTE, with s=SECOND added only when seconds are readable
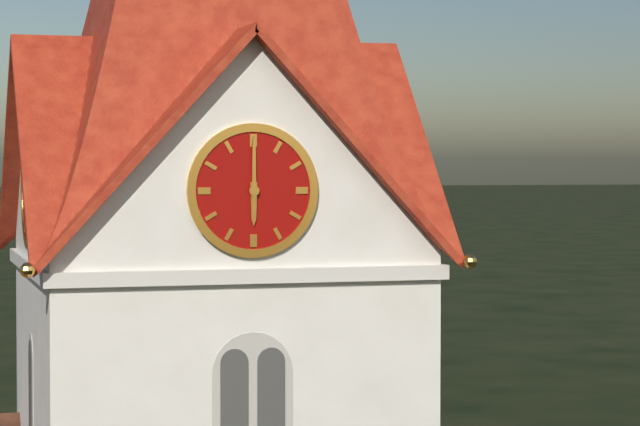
h=6 m=0
